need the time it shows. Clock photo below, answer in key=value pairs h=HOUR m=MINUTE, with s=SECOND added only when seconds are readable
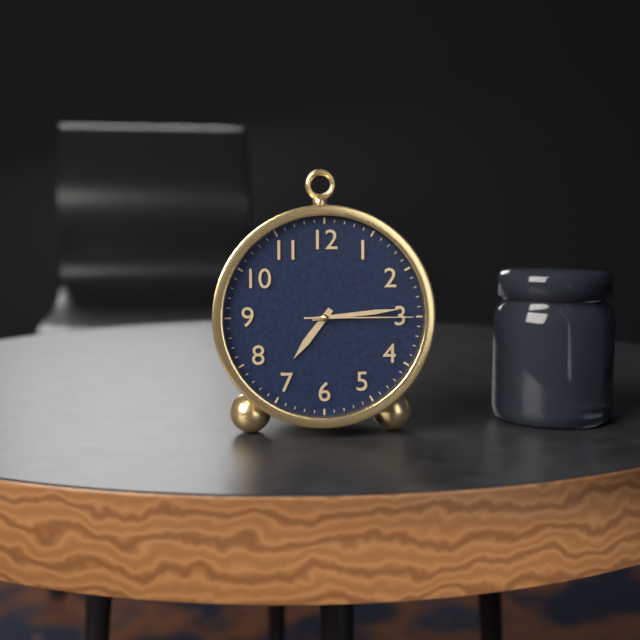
h=7 m=14 s=15
